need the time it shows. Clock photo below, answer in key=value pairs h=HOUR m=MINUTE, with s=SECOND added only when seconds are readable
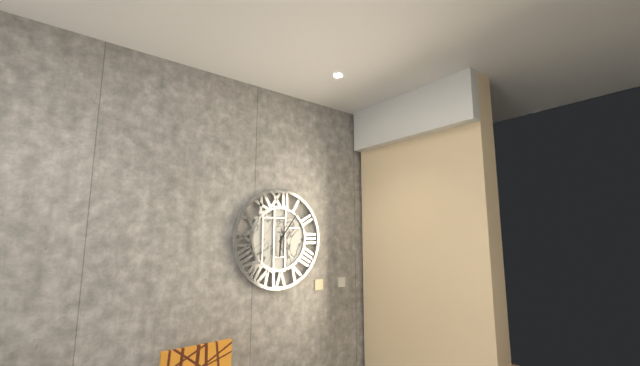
h=6 m=6
